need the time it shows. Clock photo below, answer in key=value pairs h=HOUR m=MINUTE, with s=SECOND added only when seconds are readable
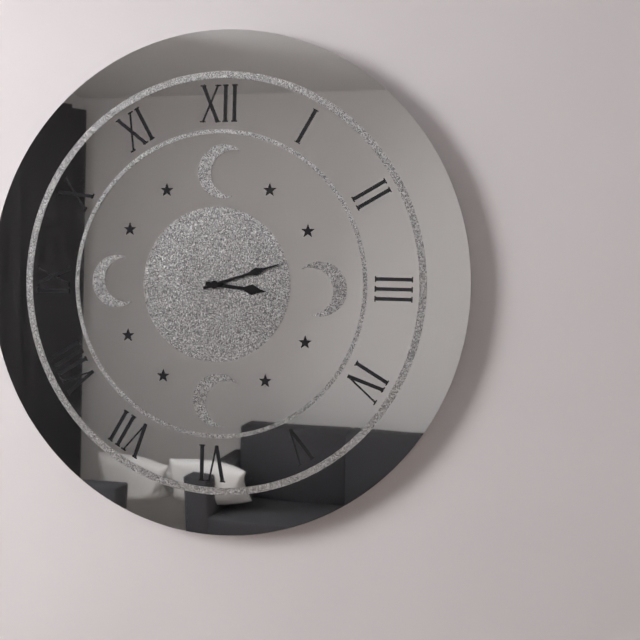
h=3 m=12
